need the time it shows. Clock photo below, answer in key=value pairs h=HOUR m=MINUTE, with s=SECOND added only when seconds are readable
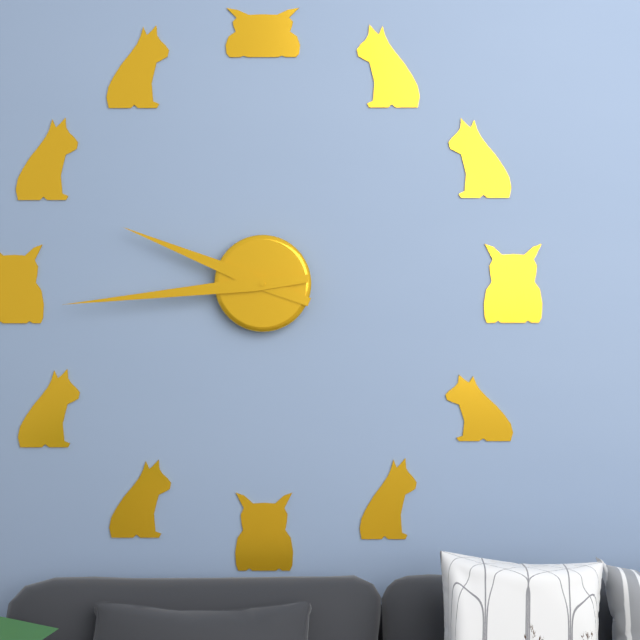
h=9 m=44
